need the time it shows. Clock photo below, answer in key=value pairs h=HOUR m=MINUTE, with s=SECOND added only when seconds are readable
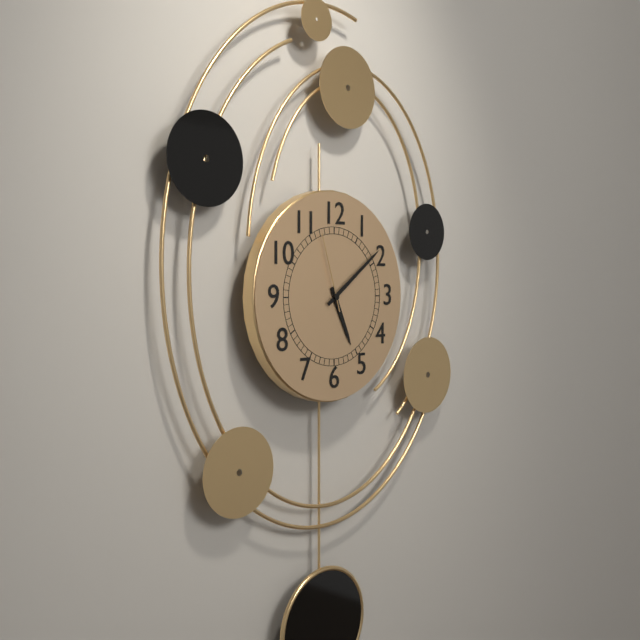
h=5 m=9 s=57
